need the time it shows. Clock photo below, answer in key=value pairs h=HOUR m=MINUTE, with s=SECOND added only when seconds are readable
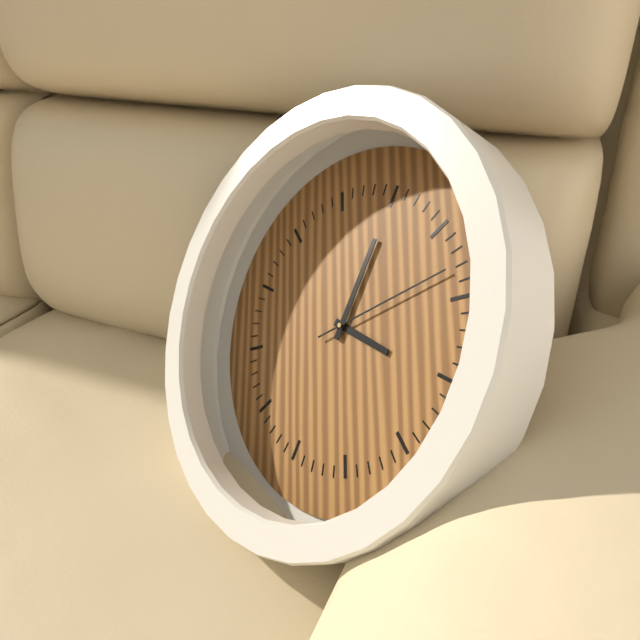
h=4 m=5 s=13
